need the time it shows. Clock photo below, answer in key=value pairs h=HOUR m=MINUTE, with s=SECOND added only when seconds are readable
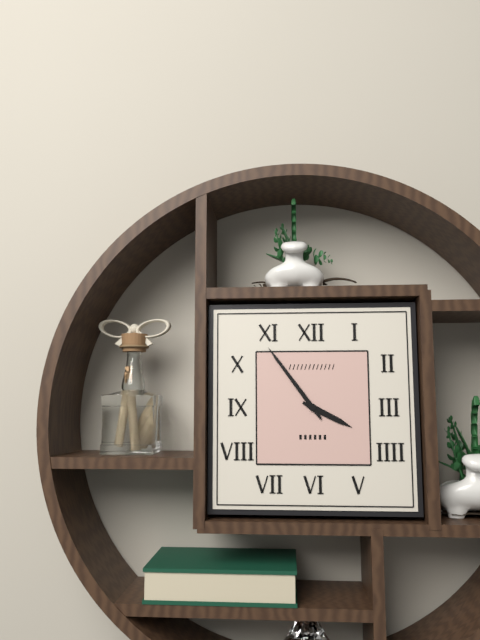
h=3 m=54
